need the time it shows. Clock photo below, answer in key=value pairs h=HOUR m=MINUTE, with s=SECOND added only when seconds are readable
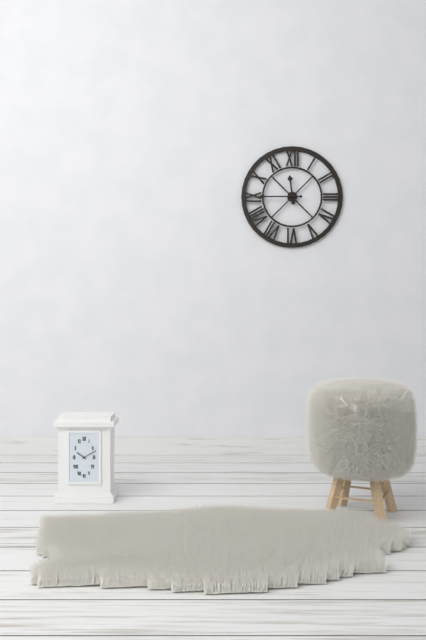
h=11 m=45
